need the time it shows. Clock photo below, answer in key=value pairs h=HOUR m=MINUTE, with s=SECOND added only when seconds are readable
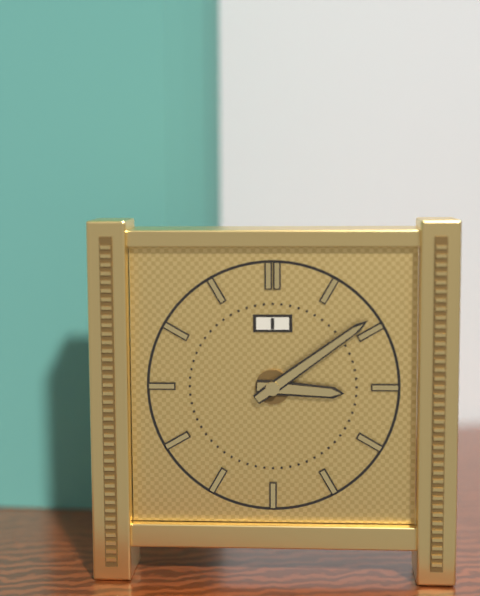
h=3 m=9
